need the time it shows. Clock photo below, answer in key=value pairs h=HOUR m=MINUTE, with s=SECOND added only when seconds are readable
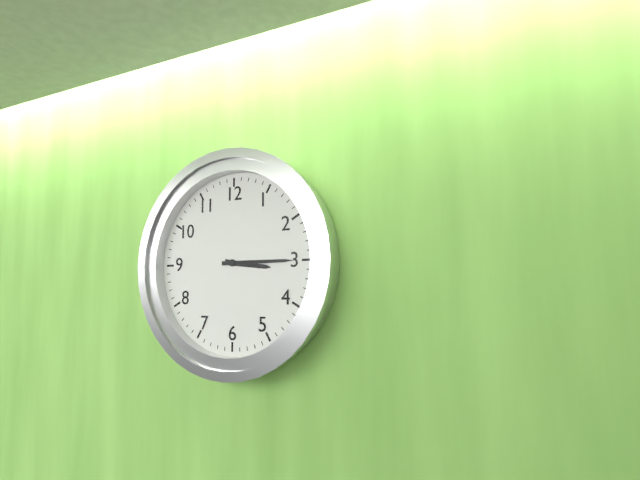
h=3 m=15
